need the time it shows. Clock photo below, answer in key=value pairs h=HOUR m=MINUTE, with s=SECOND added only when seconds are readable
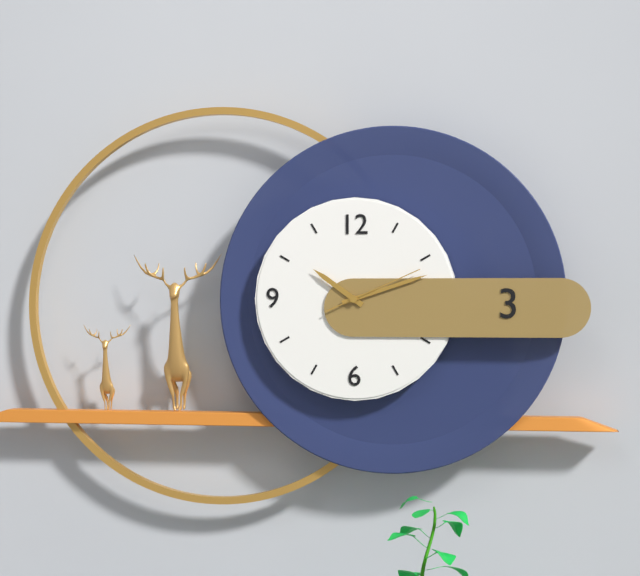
h=10 m=12 s=11
